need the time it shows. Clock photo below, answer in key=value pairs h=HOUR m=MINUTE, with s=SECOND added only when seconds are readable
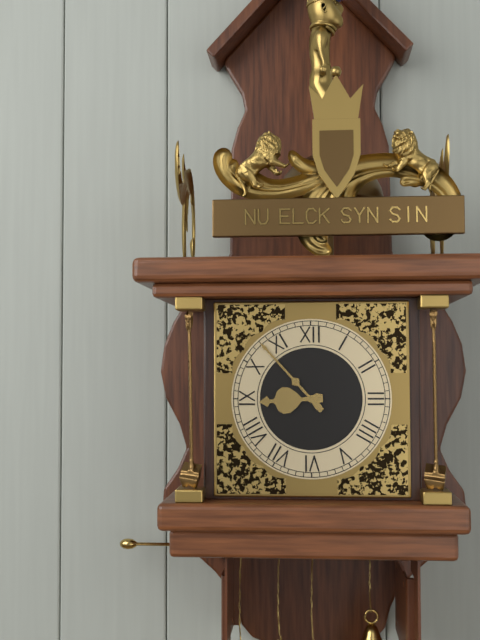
h=8 m=53
